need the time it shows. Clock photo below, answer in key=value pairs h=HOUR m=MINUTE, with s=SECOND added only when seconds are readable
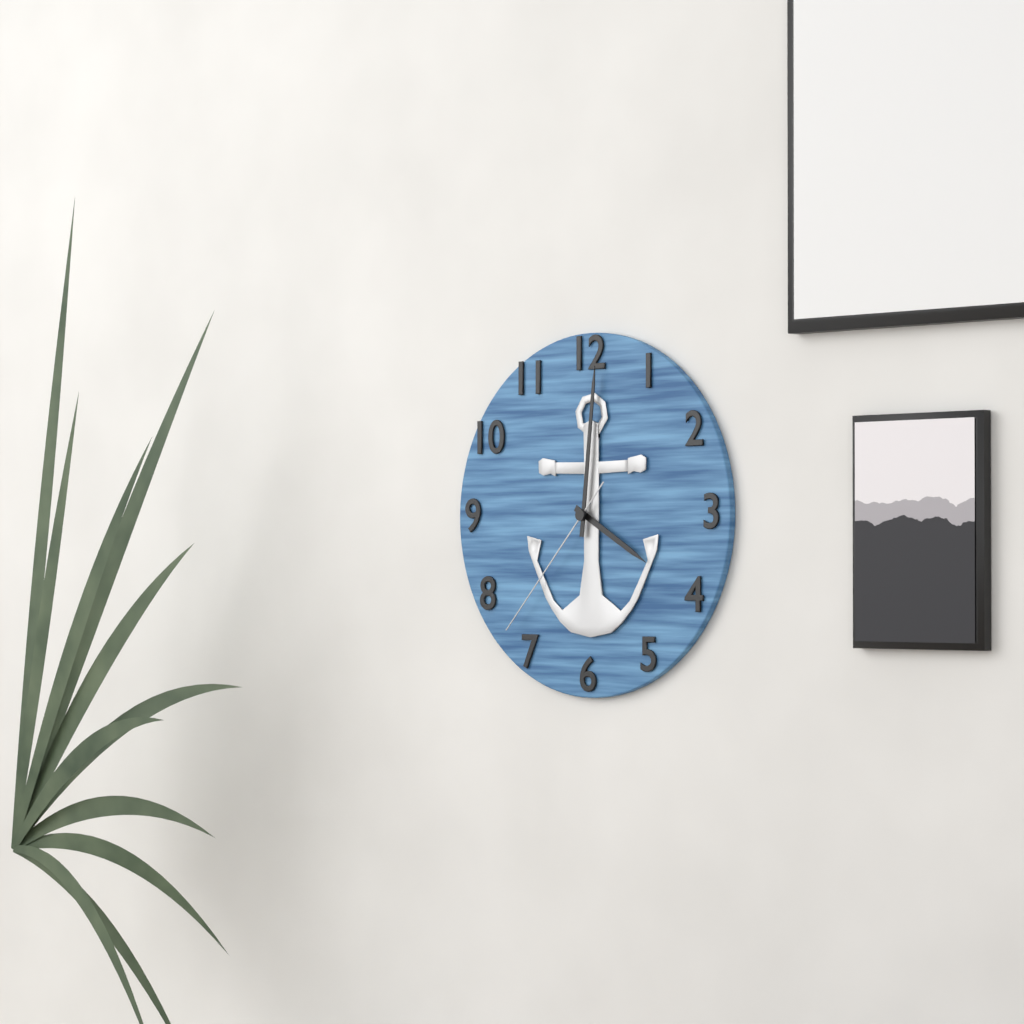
h=4 m=1 s=37
